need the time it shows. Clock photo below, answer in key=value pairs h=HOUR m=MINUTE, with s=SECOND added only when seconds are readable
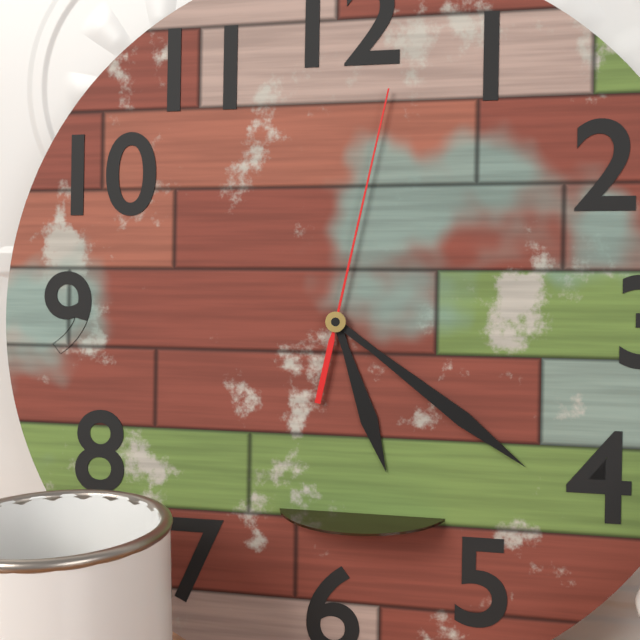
h=5 m=21 s=2
